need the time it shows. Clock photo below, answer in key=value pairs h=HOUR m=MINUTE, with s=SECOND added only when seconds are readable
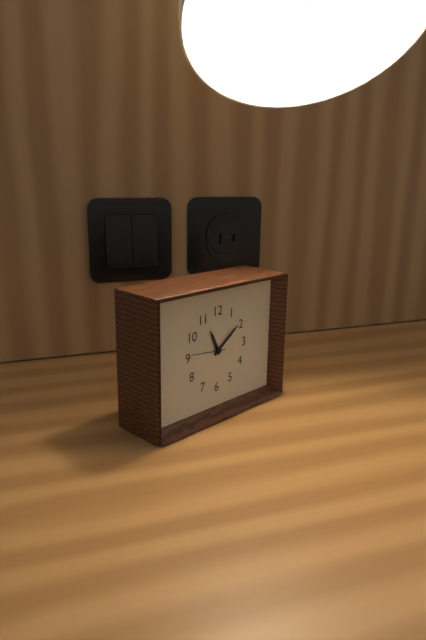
h=11 m=9
